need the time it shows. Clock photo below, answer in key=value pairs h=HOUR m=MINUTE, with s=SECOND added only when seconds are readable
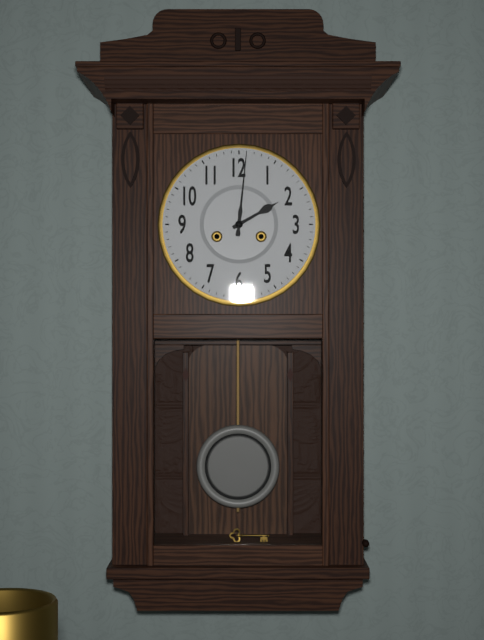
h=2 m=1
